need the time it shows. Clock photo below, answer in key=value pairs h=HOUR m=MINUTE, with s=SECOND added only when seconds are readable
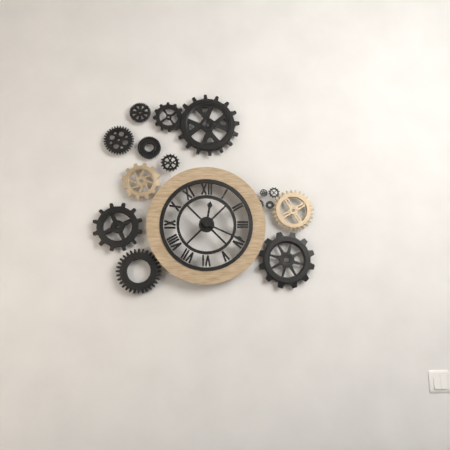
h=12 m=19
